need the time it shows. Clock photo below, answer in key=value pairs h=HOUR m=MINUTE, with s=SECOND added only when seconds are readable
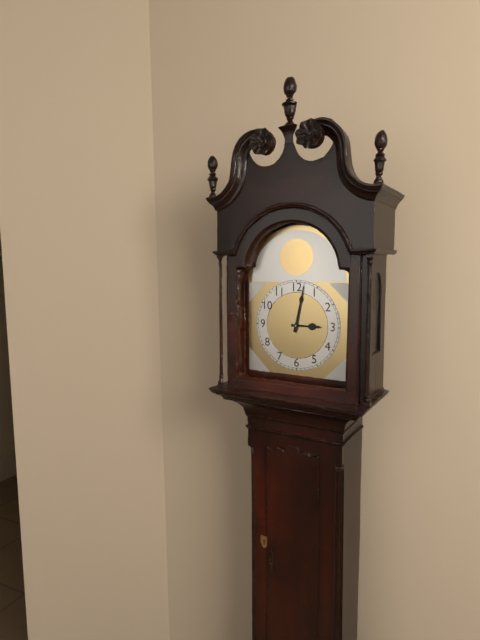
h=3 m=2
